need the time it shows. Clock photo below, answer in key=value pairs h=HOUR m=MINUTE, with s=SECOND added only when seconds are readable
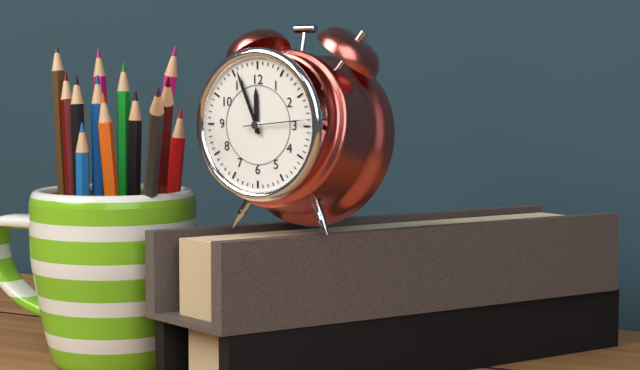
h=11 m=56 s=14
